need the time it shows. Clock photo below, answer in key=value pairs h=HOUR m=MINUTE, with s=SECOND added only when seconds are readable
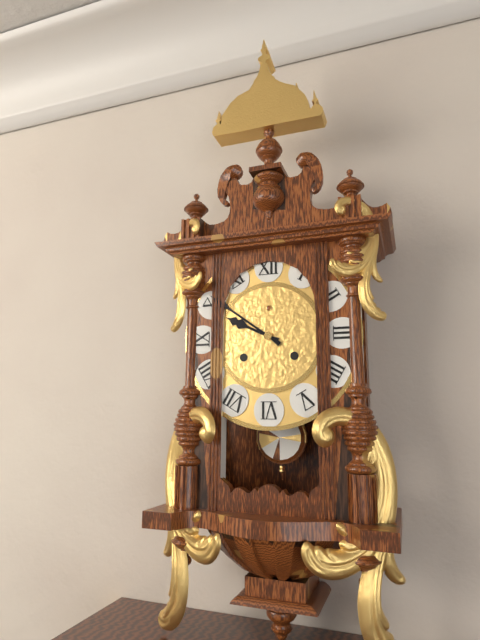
h=9 m=51
